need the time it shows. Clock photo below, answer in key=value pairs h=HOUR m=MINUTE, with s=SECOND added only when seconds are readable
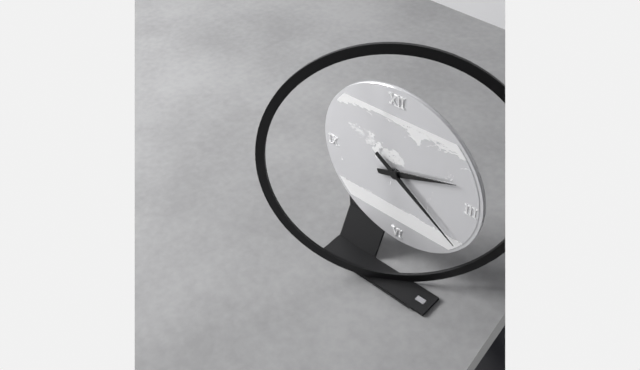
h=2 m=21
